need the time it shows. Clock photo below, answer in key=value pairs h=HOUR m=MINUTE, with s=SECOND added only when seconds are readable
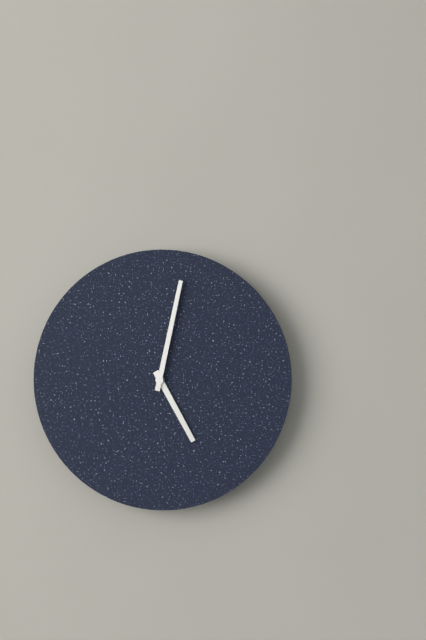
h=5 m=2
